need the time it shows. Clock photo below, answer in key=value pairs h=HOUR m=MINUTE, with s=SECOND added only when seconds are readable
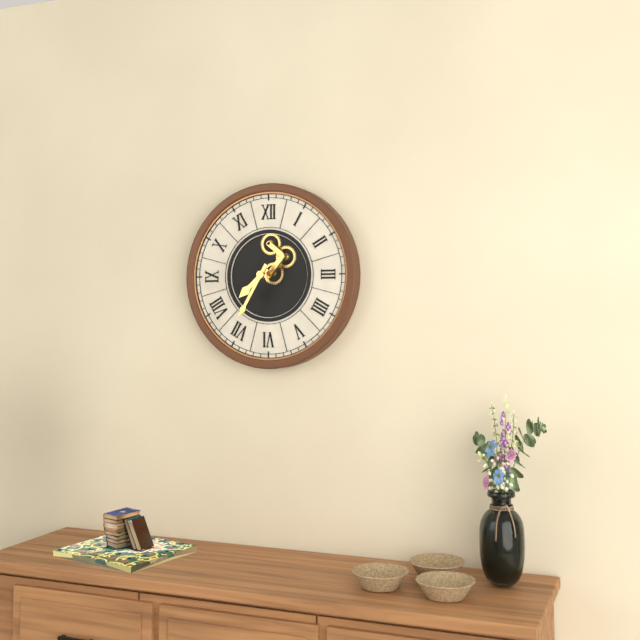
h=7 m=35
